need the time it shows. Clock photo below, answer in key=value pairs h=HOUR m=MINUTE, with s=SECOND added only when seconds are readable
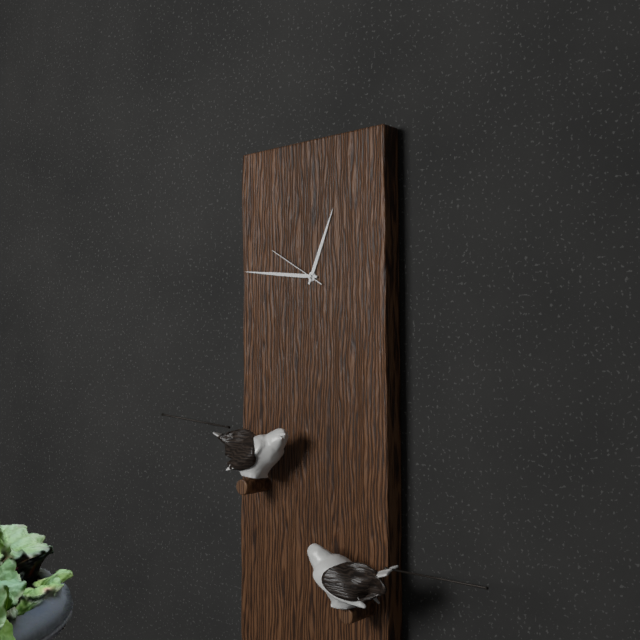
h=12 m=46 s=50
